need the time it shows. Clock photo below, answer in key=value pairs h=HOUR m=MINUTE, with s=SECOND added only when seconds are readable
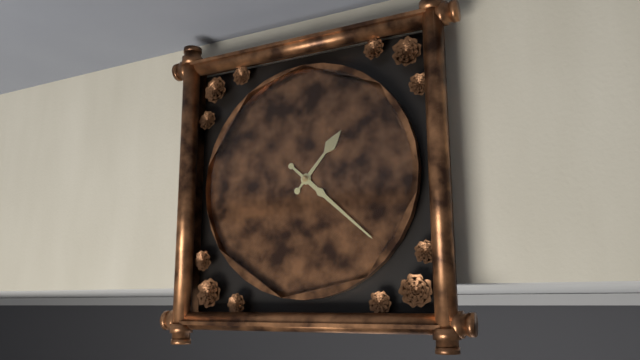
h=1 m=22
